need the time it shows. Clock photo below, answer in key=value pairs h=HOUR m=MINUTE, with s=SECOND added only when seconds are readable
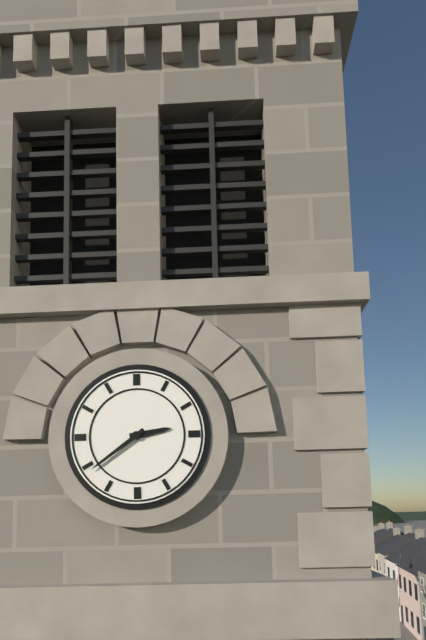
h=2 m=39
